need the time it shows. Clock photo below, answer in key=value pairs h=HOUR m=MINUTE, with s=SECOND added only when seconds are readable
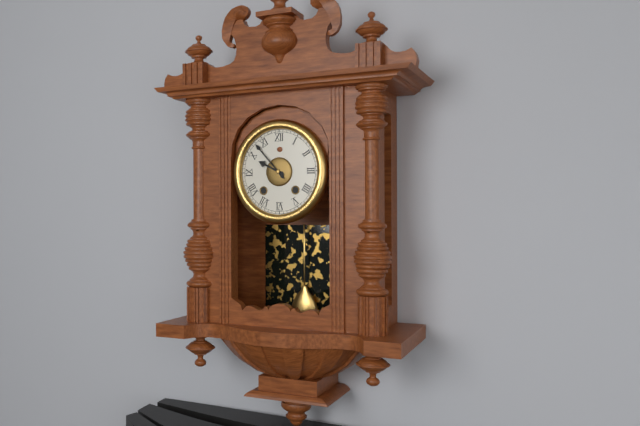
h=9 m=53
